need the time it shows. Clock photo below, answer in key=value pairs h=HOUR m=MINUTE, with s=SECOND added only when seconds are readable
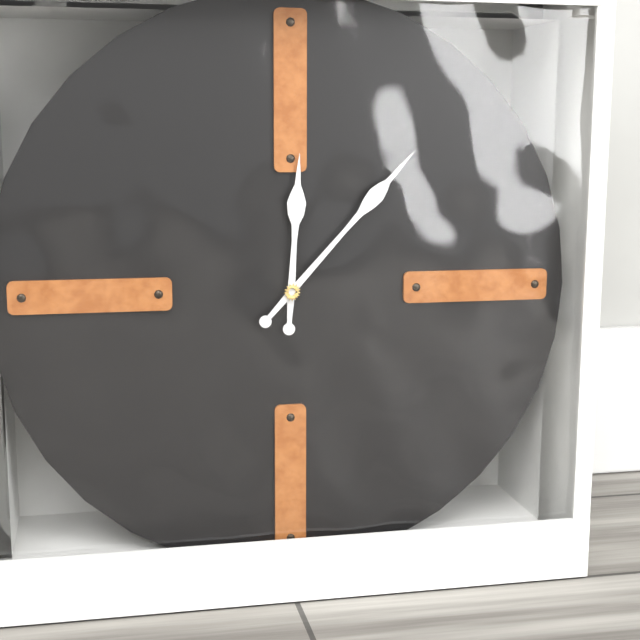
h=12 m=7
